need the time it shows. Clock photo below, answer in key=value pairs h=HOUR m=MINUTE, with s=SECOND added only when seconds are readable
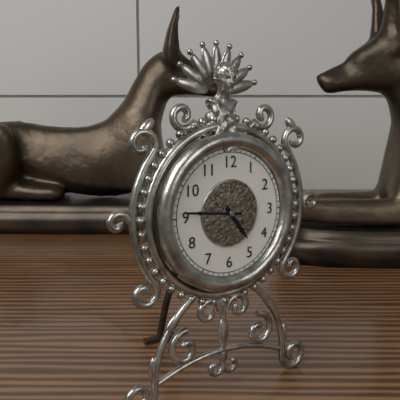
h=4 m=46
